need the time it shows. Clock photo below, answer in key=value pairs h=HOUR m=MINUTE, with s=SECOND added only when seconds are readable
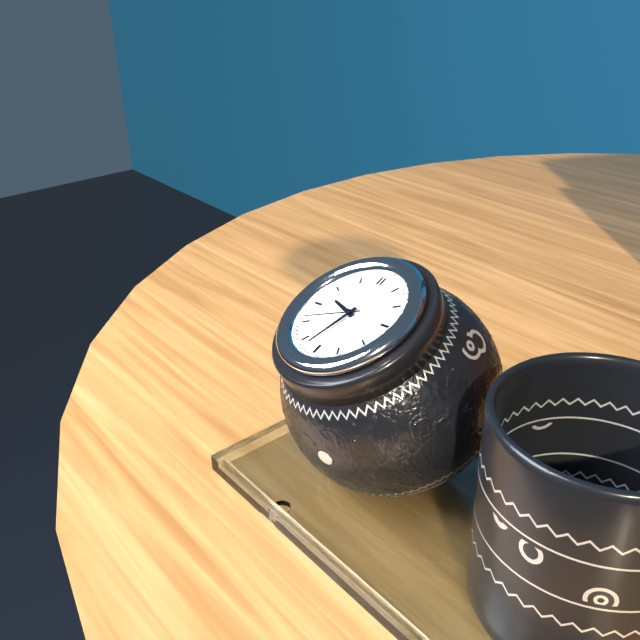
h=9 m=33 s=41
